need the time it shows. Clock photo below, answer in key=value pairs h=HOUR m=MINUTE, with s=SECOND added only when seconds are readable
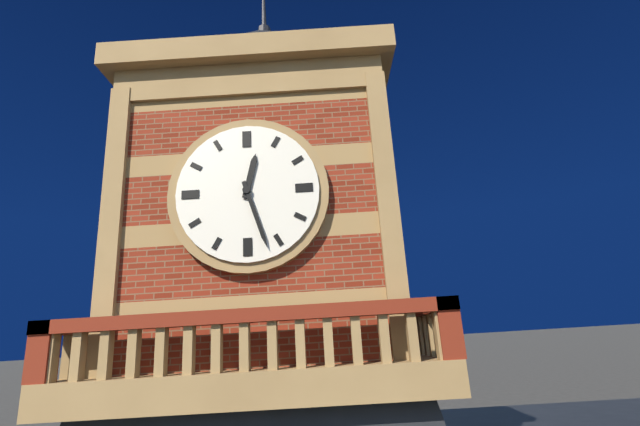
h=12 m=27
